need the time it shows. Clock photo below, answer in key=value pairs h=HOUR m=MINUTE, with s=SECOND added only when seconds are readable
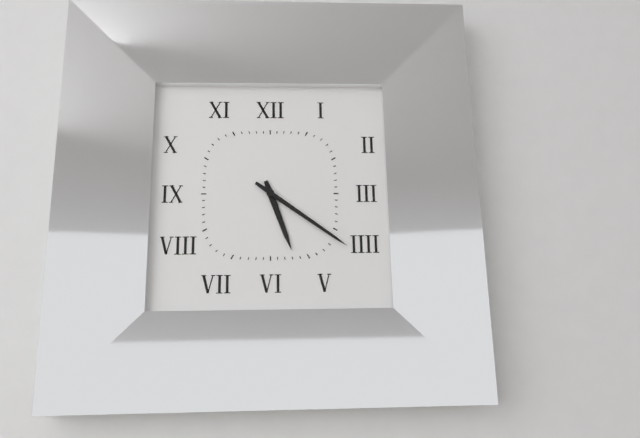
h=5 m=21
